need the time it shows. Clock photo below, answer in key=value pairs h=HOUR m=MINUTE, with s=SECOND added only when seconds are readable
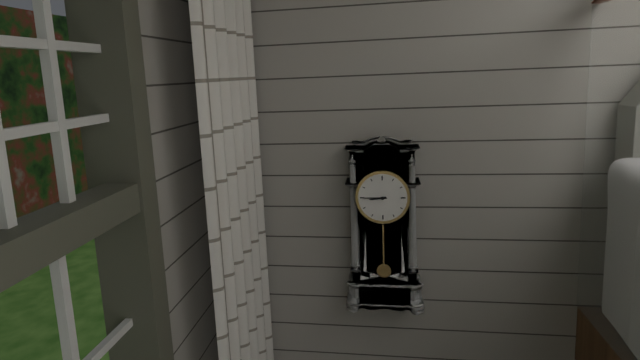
h=8 m=45
